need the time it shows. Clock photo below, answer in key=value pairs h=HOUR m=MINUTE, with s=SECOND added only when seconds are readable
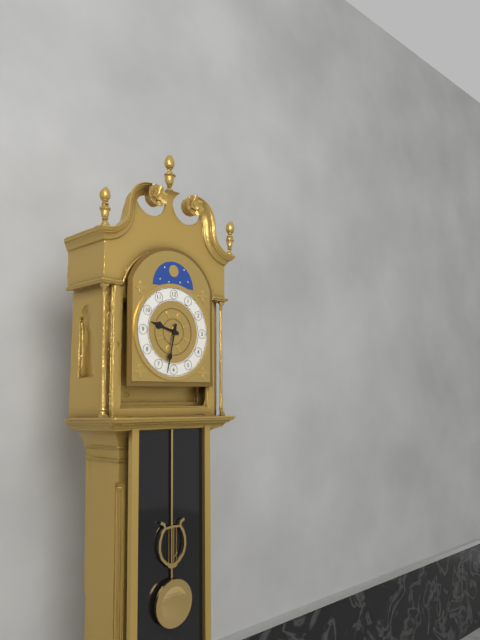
h=9 m=32
